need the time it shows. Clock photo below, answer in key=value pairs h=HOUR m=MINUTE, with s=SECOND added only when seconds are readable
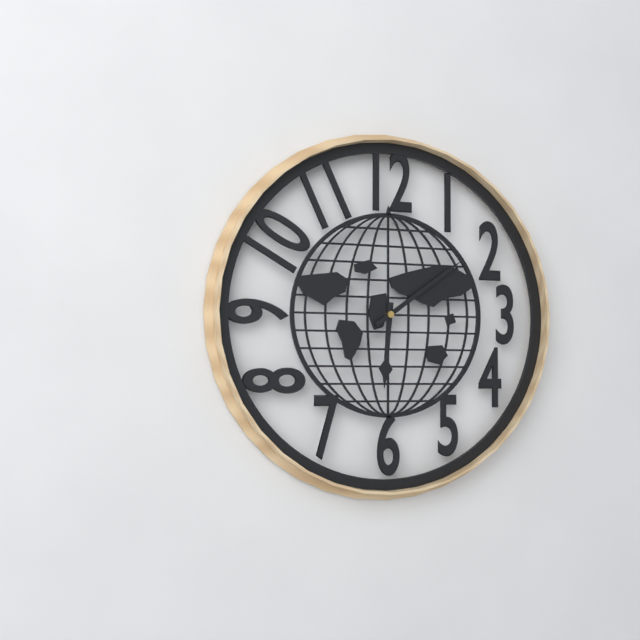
h=6 m=9
